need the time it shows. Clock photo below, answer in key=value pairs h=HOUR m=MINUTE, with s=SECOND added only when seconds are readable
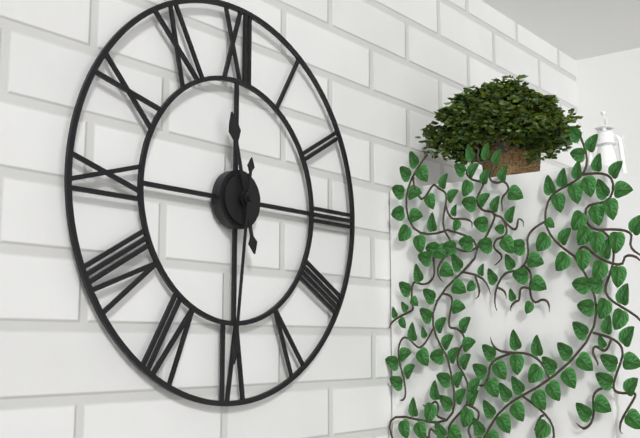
h=11 m=31
